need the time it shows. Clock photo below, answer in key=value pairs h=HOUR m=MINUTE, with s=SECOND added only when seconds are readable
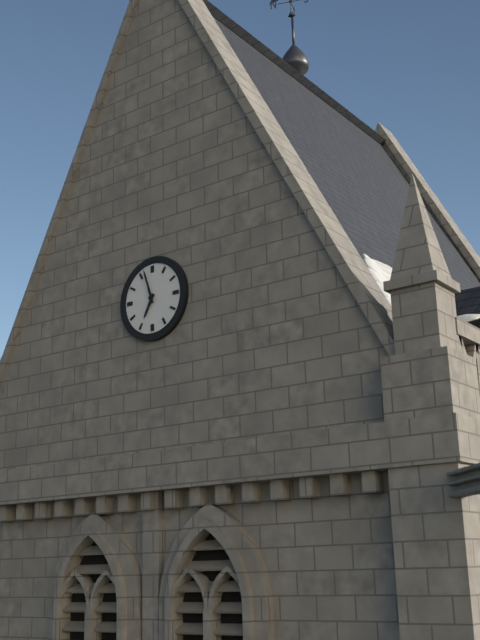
h=6 m=57
